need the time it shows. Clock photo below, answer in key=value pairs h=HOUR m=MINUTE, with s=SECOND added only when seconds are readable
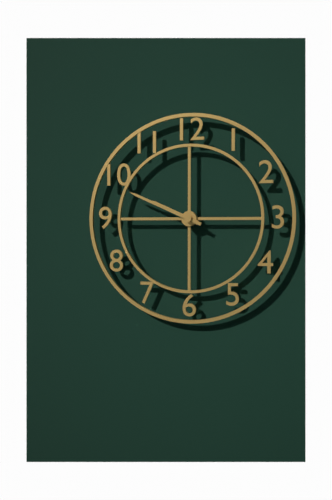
h=9 m=49
